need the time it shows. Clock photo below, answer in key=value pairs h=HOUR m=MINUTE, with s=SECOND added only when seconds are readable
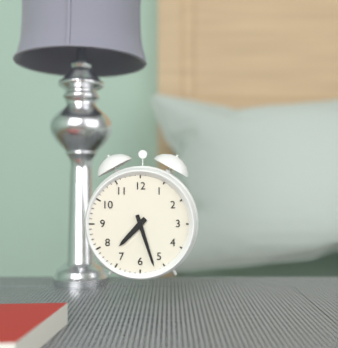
h=7 m=27
